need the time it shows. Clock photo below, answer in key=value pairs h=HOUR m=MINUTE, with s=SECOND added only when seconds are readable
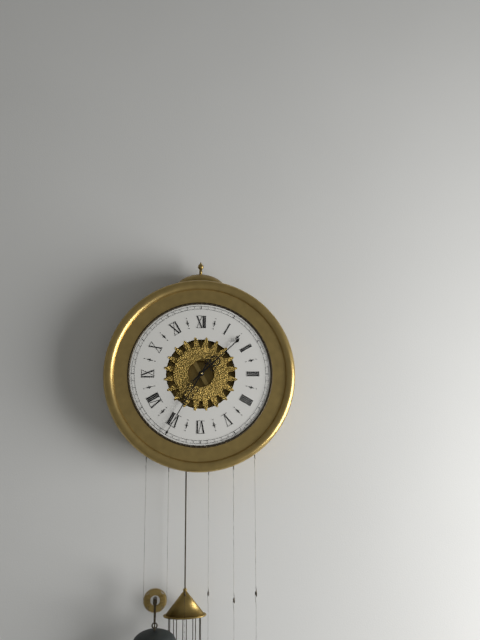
h=1 m=35
